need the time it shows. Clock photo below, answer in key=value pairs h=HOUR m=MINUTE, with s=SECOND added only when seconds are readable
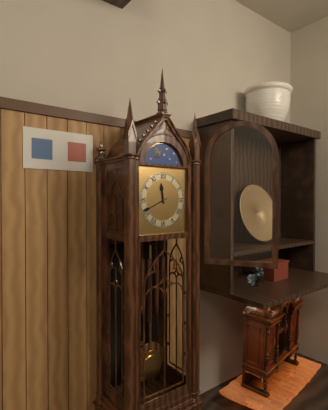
h=11 m=41
